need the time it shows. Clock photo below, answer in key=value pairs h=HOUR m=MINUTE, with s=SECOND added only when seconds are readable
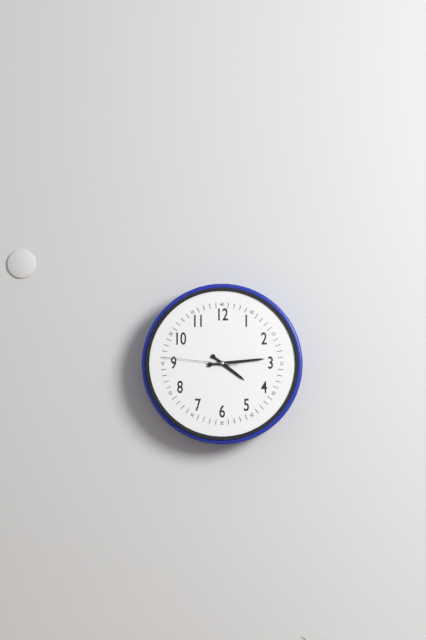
h=4 m=14 s=46
